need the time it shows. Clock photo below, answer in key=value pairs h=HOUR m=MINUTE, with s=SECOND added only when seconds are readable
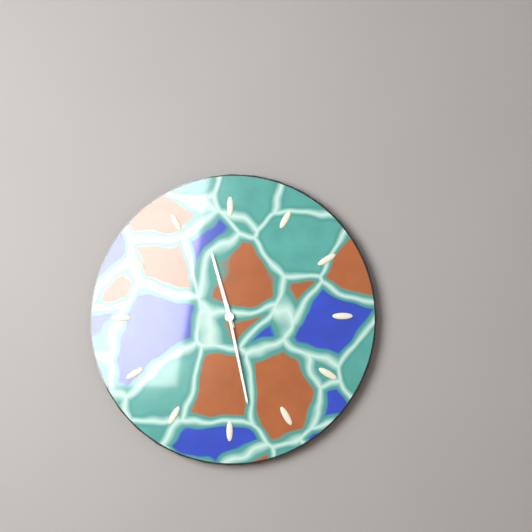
h=11 m=28
